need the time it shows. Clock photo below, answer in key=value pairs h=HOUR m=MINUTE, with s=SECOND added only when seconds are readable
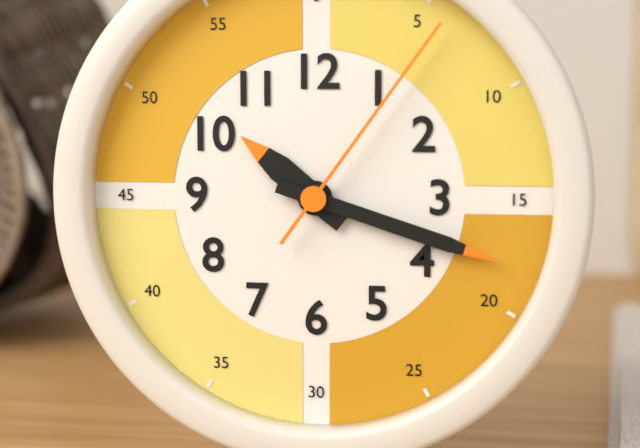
h=10 m=18 s=6
